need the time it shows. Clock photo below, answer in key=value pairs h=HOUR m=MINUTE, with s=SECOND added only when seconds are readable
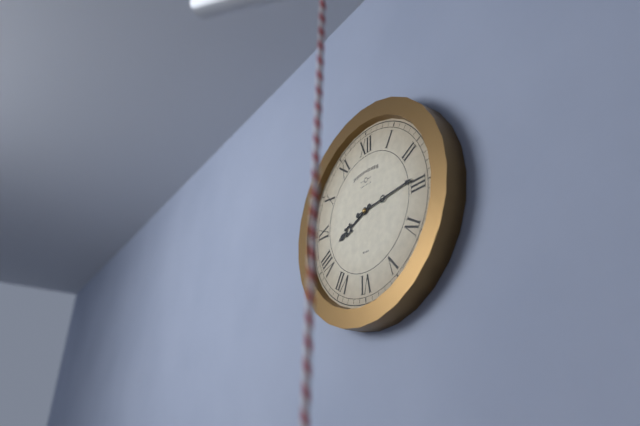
h=8 m=14
